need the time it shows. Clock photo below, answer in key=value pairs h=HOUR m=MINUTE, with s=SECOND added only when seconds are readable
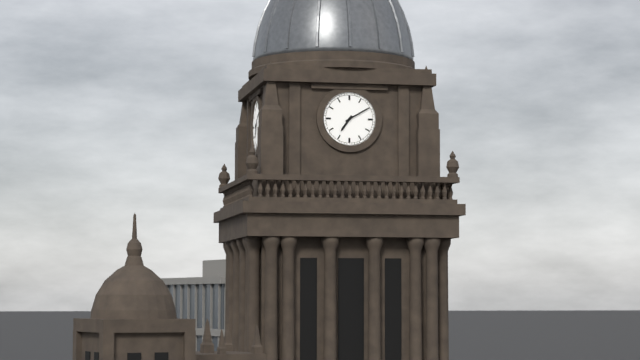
h=7 m=10
